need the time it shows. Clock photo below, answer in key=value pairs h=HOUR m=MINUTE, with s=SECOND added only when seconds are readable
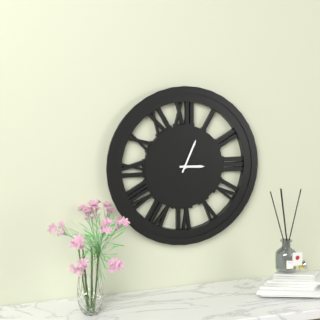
h=3 m=4
